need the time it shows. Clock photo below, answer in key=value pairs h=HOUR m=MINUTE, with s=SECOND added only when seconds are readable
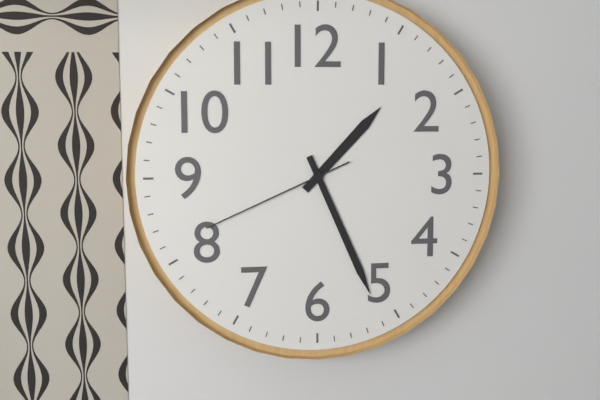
h=1 m=26 s=41
